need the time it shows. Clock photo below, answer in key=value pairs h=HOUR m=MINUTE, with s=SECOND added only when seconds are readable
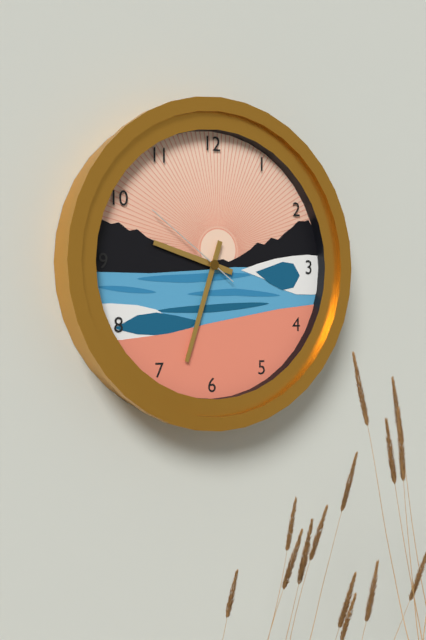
h=9 m=33 s=51
